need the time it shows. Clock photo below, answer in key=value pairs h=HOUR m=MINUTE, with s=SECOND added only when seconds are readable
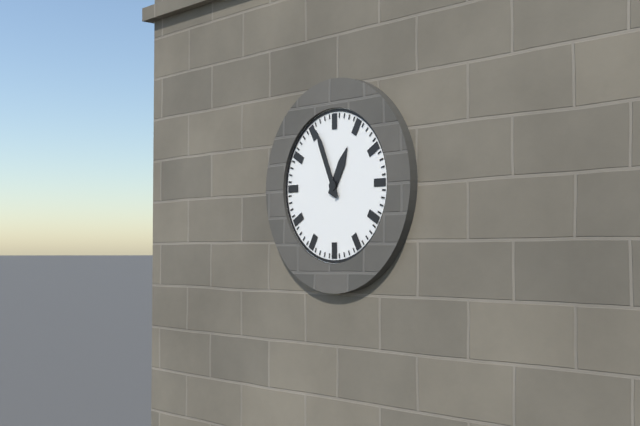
h=12 m=56
